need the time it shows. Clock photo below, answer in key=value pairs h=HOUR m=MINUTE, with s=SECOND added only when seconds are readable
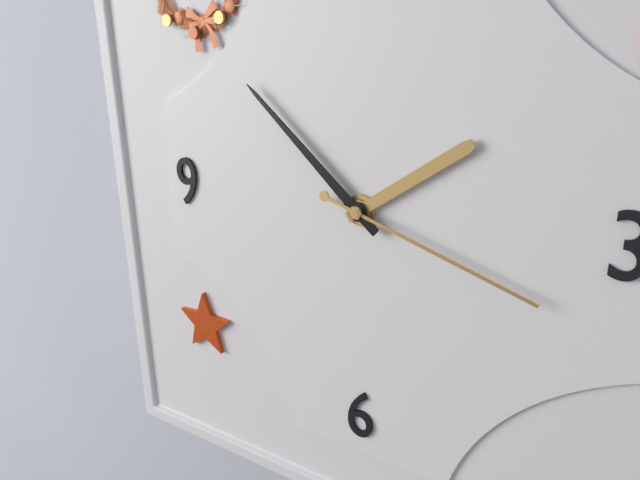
h=1 m=52 s=18
